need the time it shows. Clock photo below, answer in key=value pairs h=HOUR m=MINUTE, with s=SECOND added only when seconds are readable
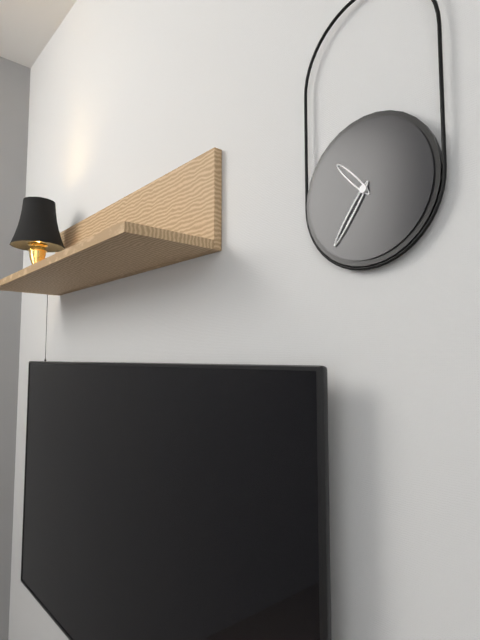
h=10 m=36
